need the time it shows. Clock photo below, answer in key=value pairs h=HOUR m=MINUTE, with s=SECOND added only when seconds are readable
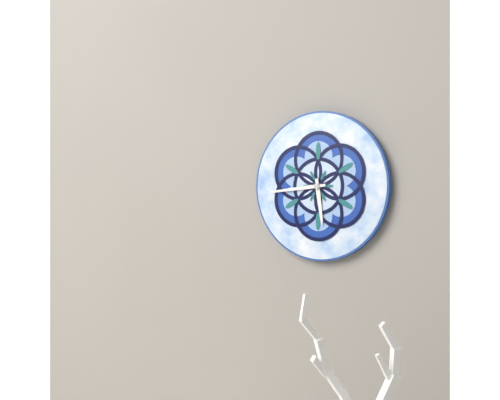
h=5 m=44
